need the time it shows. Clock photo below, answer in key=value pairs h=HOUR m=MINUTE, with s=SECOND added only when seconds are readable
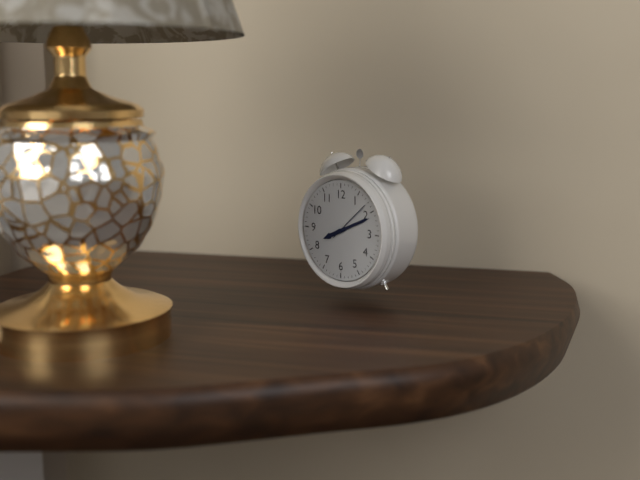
h=8 m=11
